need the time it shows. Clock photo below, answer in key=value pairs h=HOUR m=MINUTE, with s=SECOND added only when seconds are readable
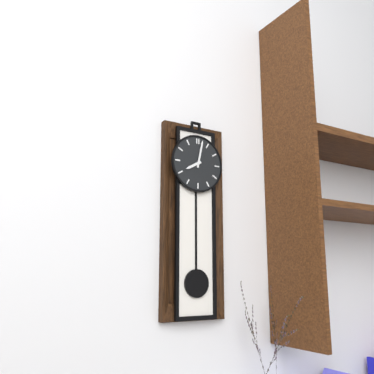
h=8 m=2
